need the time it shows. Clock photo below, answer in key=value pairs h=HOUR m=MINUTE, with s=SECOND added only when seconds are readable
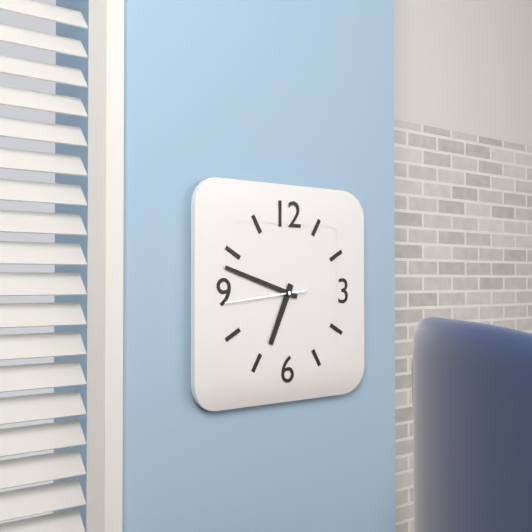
h=6 m=48 s=44
